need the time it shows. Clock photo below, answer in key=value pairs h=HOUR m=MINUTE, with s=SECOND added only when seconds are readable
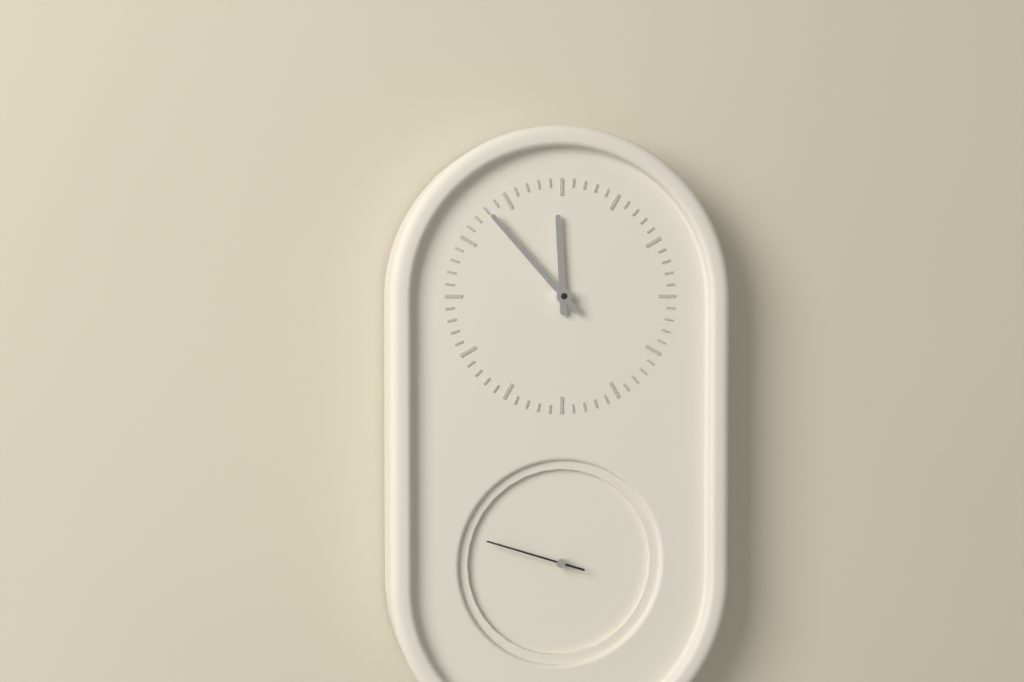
h=11 m=53 s=48
